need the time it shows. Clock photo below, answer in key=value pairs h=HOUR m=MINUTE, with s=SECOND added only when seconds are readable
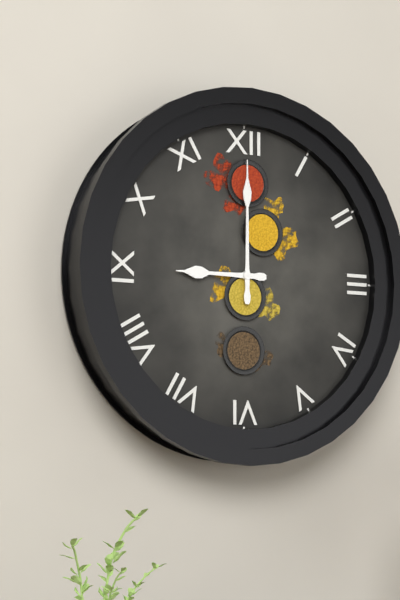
h=9 m=0
